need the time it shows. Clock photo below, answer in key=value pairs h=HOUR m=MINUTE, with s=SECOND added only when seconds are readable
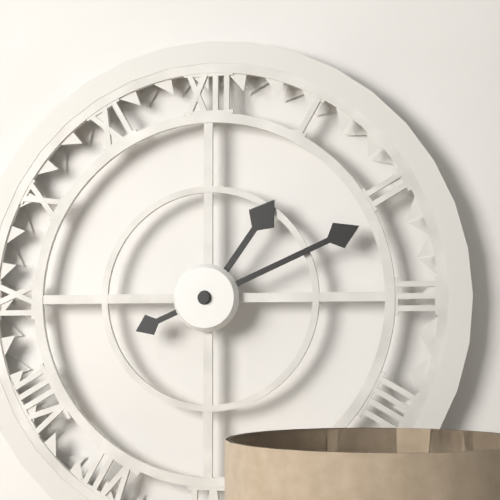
h=1 m=11
